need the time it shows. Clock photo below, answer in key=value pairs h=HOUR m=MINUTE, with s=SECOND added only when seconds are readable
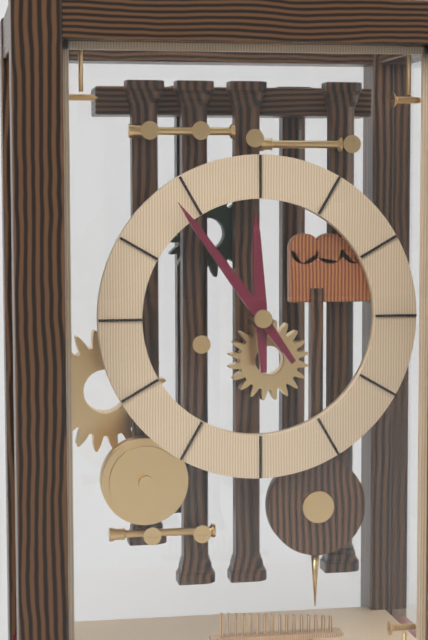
h=11 m=54
